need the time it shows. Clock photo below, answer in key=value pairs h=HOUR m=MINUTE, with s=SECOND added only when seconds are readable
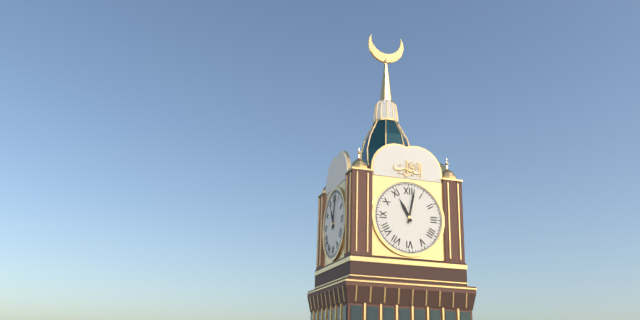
h=11 m=2
